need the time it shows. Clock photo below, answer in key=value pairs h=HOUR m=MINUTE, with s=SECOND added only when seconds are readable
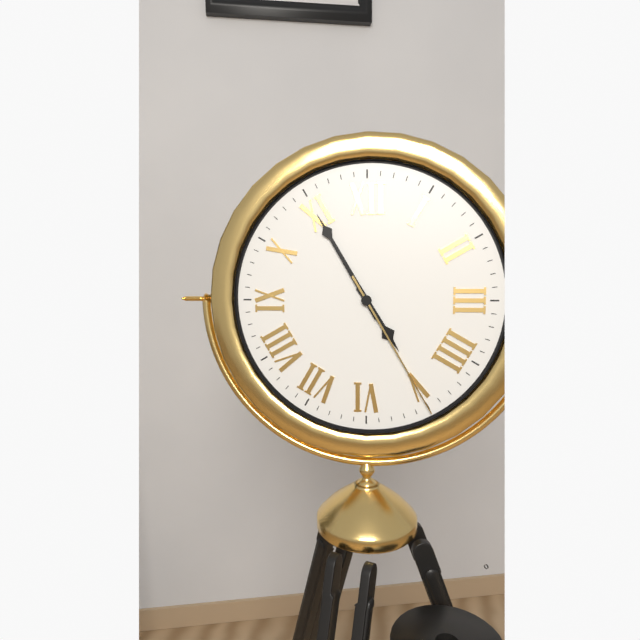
h=4 m=55 s=25
